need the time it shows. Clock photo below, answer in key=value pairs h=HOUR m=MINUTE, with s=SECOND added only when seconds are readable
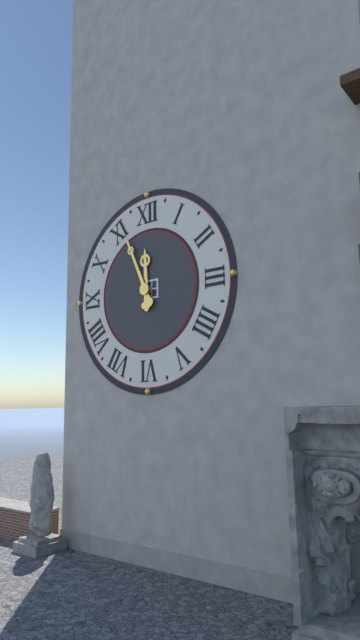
h=11 m=56
